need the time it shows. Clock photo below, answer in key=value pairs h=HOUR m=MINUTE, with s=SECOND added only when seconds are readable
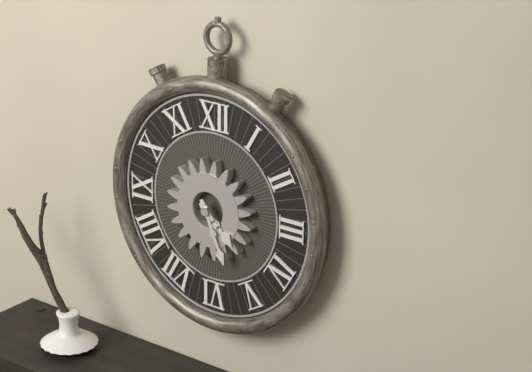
h=4 m=26
